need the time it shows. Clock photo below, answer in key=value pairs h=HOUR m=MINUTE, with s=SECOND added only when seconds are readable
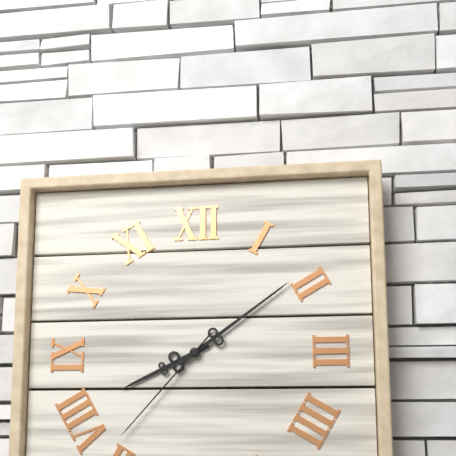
h=8 m=9 s=37
